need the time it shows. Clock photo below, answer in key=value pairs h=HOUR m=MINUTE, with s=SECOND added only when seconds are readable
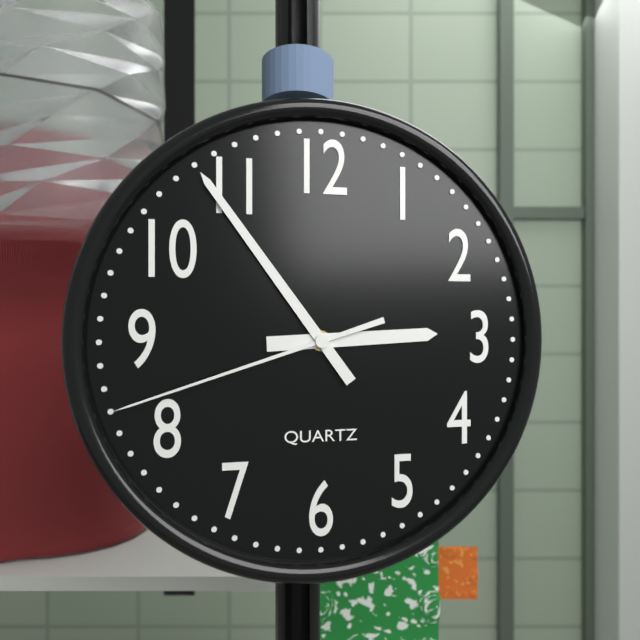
h=2 m=54 s=42
